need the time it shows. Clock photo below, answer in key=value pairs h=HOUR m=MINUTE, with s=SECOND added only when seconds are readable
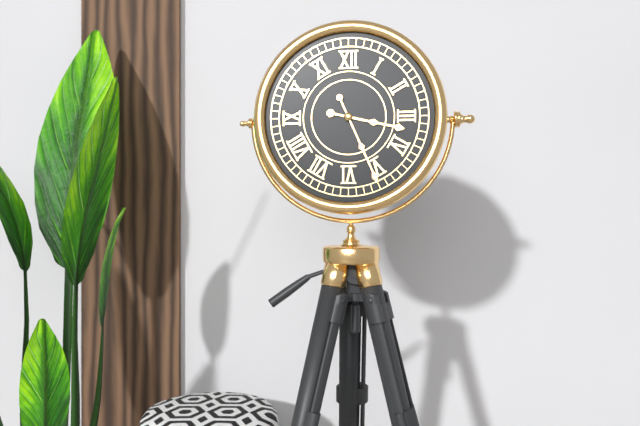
h=3 m=26
